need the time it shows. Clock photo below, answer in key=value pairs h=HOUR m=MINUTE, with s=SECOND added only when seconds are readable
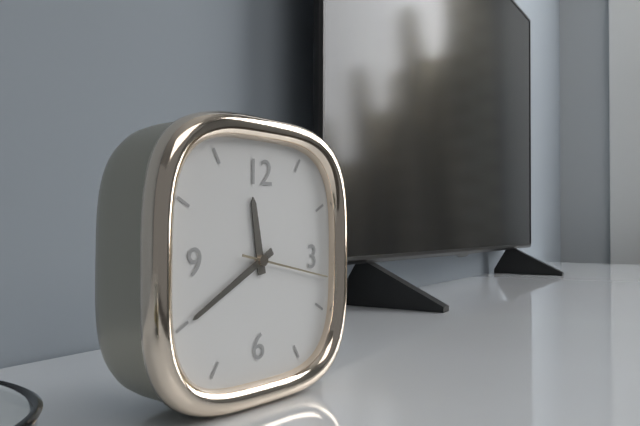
h=11 m=40 s=17
